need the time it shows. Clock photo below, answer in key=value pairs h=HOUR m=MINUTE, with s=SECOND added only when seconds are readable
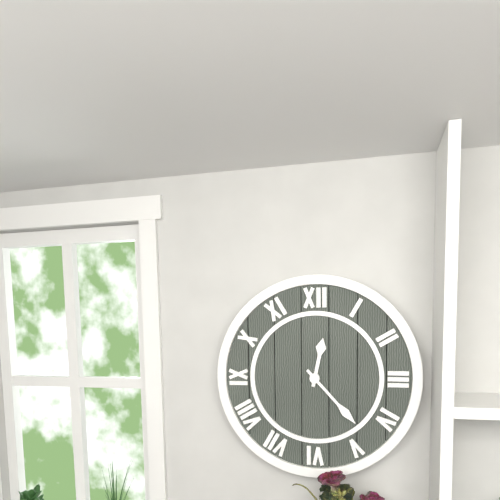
h=12 m=23
